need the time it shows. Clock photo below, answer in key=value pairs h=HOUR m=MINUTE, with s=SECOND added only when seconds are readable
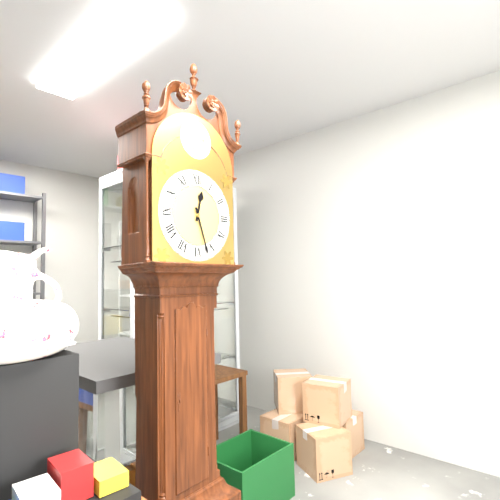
h=12 m=27
